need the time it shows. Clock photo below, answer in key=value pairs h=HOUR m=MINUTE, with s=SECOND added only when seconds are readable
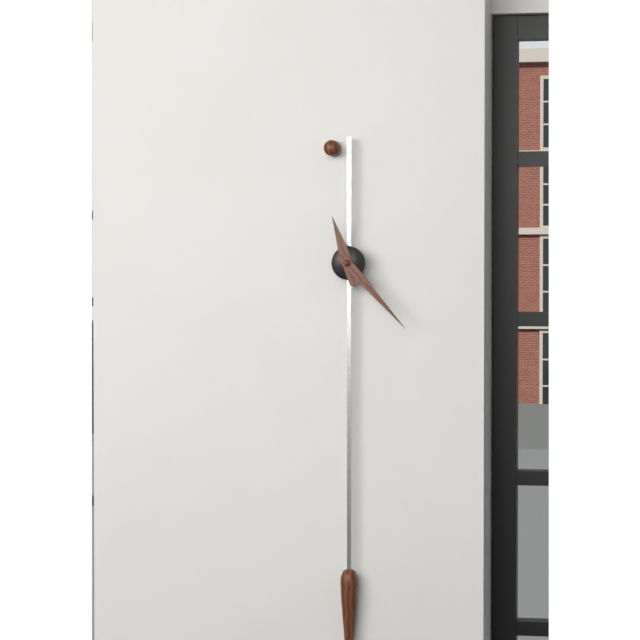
h=11 m=23
